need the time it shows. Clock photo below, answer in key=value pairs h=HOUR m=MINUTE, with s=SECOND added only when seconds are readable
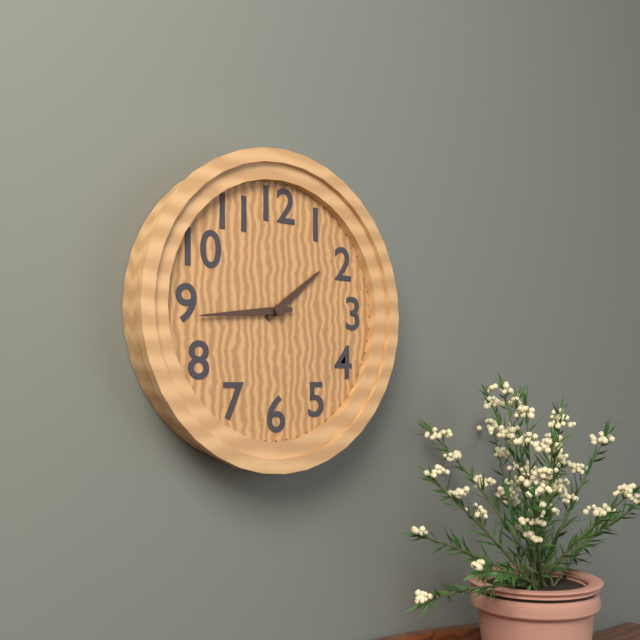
h=1 m=44
